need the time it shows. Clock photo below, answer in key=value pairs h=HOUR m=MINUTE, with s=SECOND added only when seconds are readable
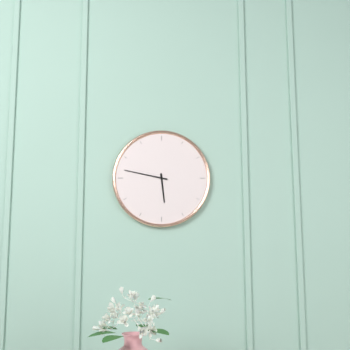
h=5 m=47
